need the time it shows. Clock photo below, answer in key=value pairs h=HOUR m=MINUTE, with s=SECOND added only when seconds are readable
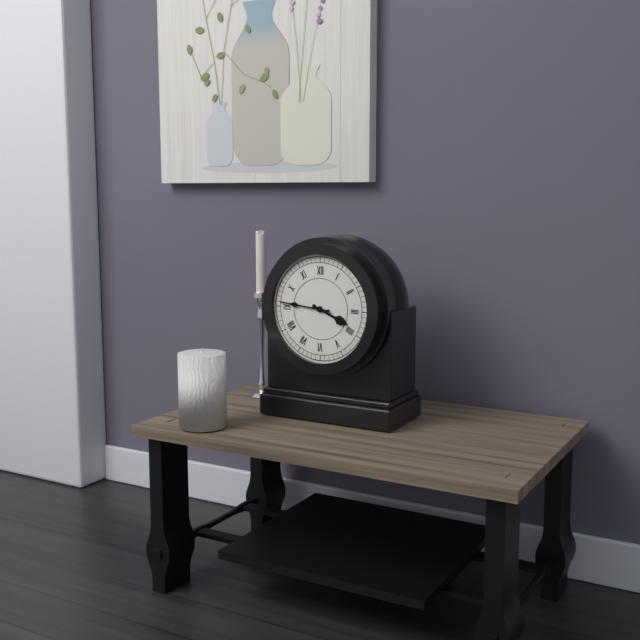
h=3 m=46
